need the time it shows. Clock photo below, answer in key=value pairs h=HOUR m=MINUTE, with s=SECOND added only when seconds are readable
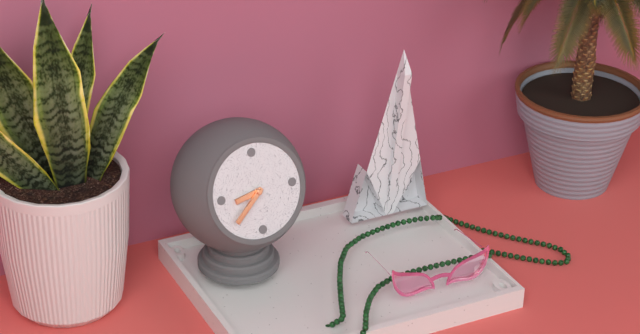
h=8 m=38
